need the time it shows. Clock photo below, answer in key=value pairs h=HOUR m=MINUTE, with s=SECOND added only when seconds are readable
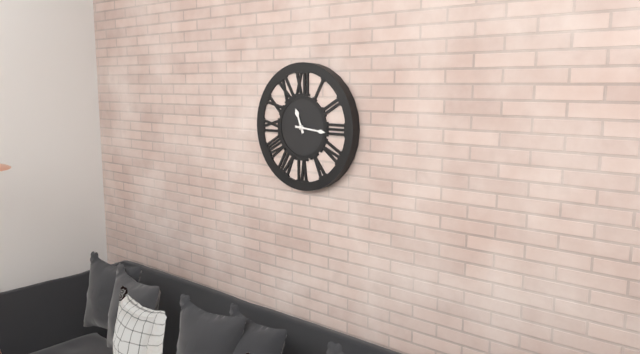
h=11 m=16
